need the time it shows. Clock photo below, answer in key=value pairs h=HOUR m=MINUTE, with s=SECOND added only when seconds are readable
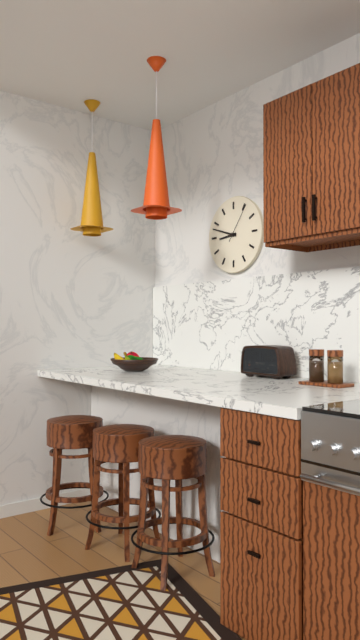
h=8 m=48
